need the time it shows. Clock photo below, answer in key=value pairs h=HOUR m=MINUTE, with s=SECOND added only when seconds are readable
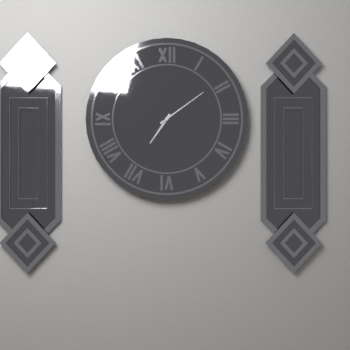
h=7 m=9
